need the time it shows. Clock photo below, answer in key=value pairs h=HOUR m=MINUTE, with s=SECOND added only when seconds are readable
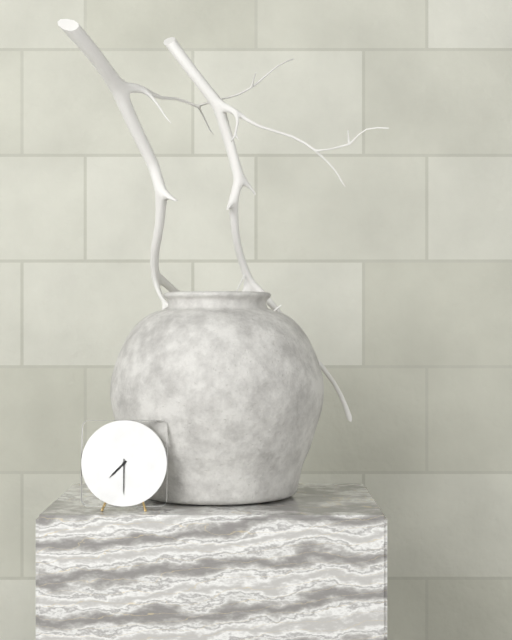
h=7 m=30
